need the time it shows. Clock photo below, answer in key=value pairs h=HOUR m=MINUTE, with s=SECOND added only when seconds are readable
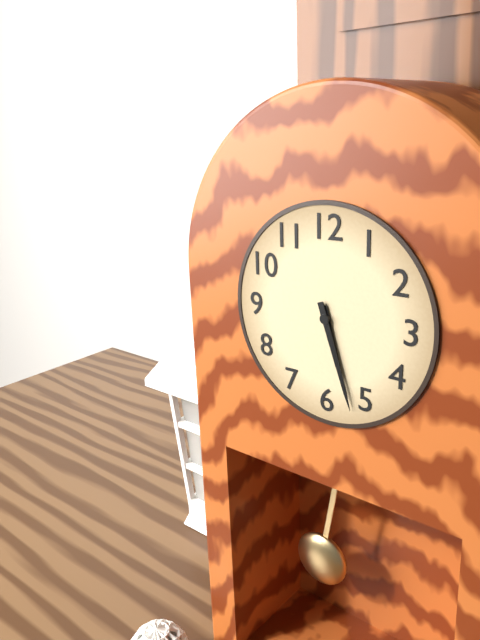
h=5 m=27
